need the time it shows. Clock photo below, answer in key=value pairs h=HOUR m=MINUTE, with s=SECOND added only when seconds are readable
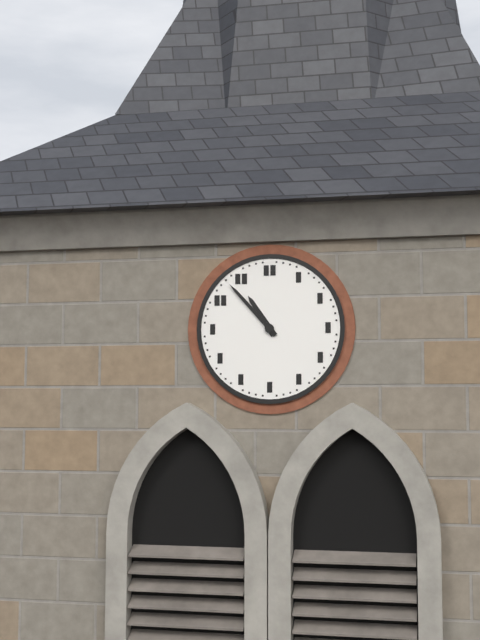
h=10 m=53
